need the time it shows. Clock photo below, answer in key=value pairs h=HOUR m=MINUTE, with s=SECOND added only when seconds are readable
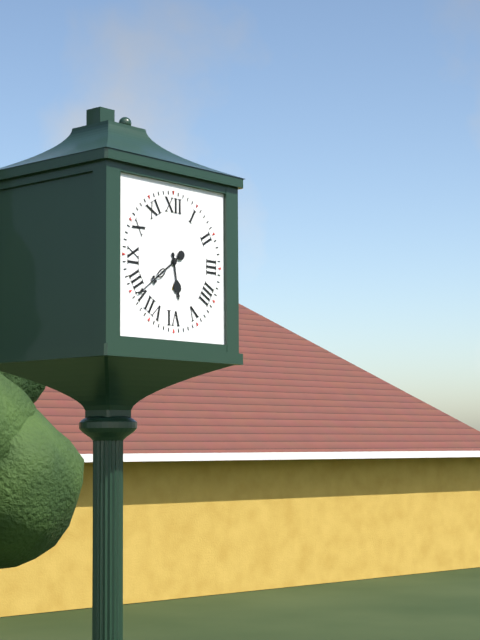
h=5 m=39
